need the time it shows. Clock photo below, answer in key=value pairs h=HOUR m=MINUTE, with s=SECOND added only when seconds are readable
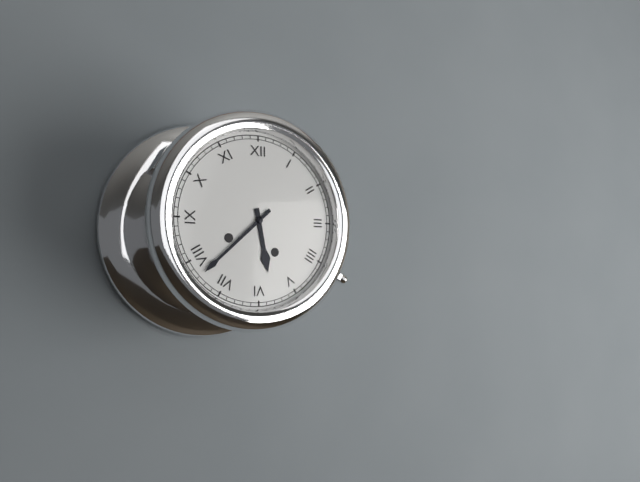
h=5 m=38
